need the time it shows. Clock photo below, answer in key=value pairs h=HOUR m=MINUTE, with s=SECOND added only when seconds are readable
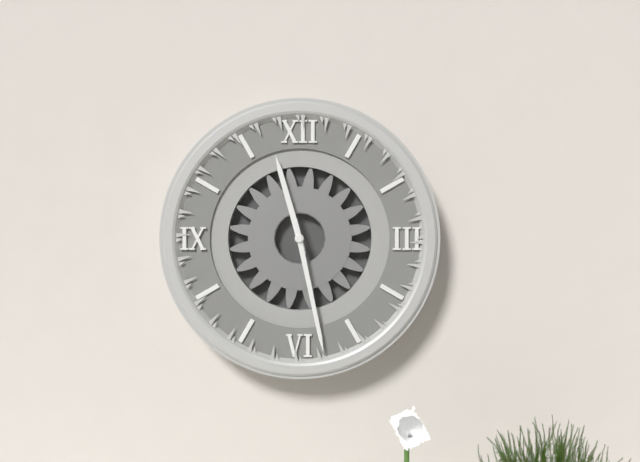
h=11 m=28
